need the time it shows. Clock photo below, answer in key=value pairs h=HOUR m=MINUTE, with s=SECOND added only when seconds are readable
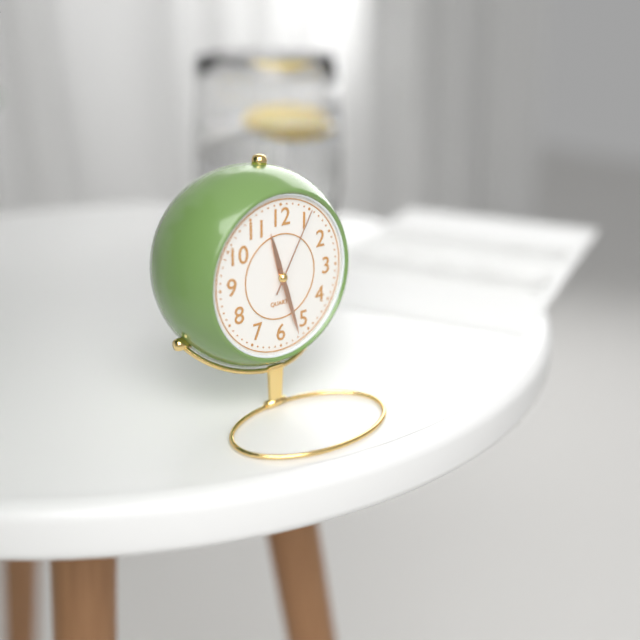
h=11 m=27 s=5
